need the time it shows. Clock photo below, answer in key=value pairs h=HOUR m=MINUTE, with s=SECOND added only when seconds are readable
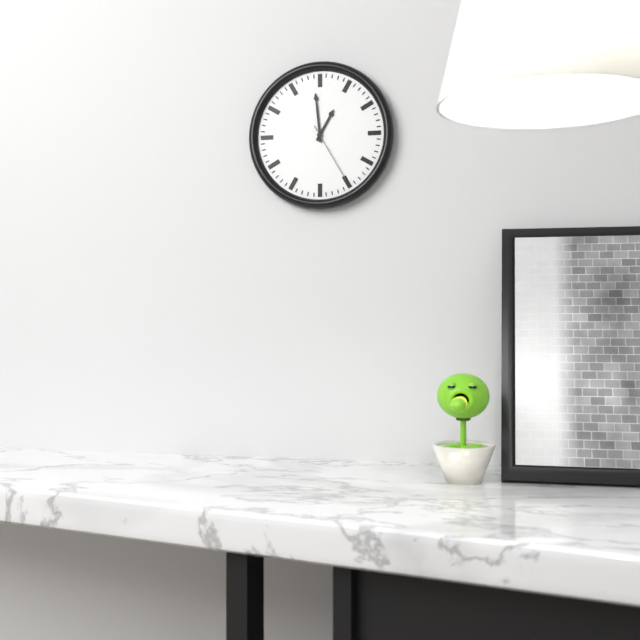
h=12 m=59 s=25
